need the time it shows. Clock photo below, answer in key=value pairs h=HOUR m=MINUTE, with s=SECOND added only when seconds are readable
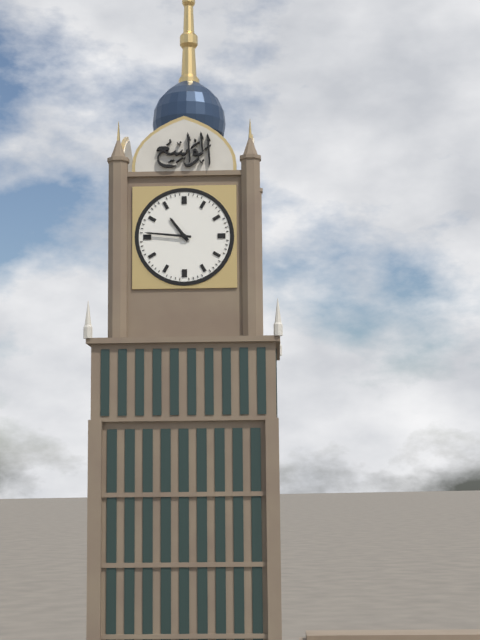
h=10 m=46
